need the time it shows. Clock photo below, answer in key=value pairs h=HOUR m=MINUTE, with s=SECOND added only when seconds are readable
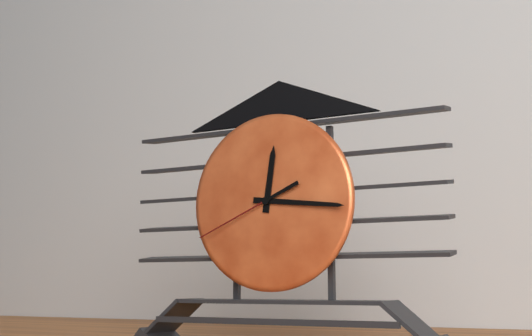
h=12 m=16 s=41
